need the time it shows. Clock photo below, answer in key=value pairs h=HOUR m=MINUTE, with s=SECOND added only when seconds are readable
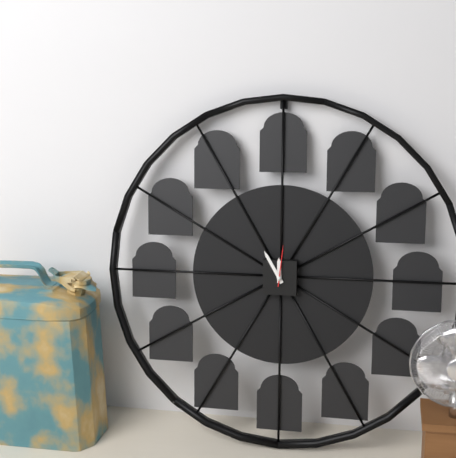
h=11 m=55
